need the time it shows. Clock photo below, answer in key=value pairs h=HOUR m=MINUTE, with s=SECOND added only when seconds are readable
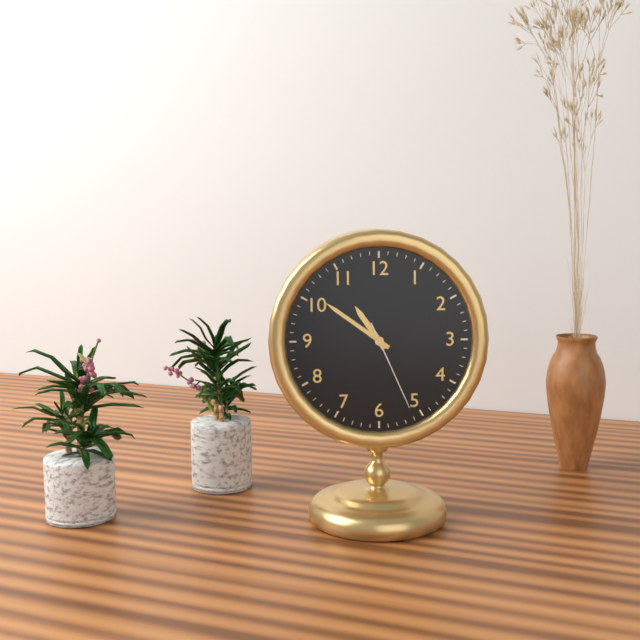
h=10 m=51 s=26
